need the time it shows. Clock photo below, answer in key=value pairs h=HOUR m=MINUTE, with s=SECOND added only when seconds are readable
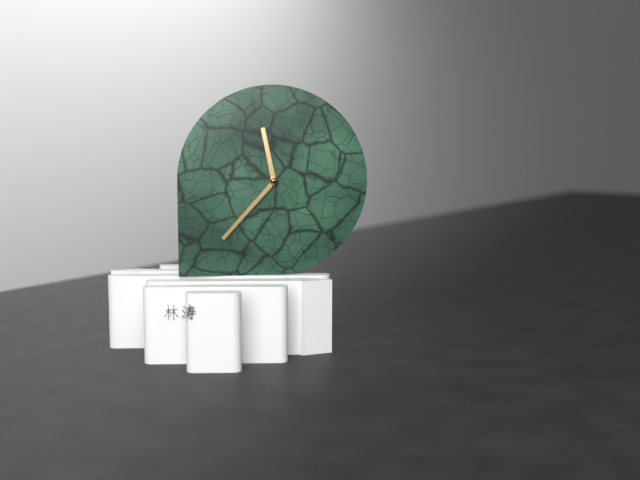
h=11 m=37
